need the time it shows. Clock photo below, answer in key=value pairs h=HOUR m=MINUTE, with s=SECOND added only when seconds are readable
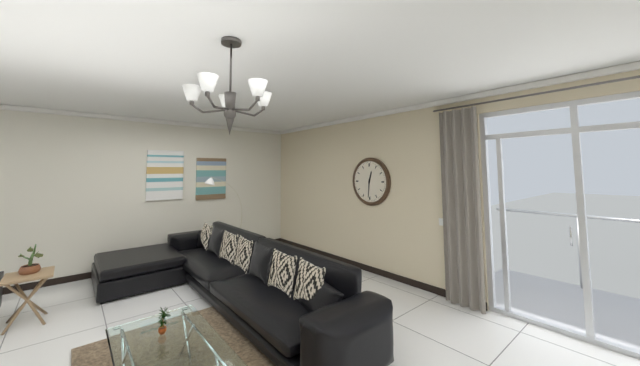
h=12 m=31
